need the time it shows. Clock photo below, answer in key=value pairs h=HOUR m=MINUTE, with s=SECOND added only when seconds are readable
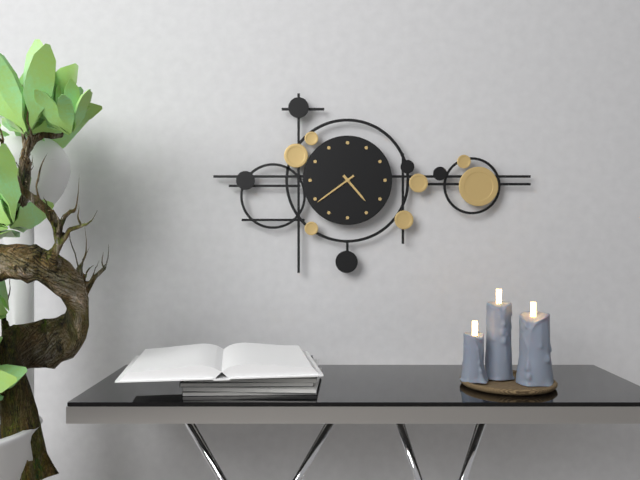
h=4 m=39
